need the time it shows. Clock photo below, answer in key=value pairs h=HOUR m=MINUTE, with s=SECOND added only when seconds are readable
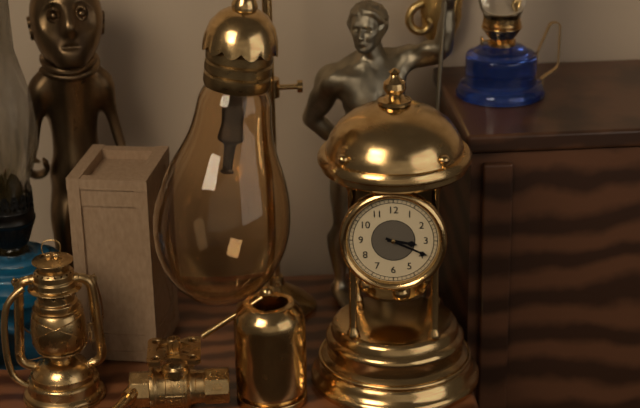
h=3 m=19
